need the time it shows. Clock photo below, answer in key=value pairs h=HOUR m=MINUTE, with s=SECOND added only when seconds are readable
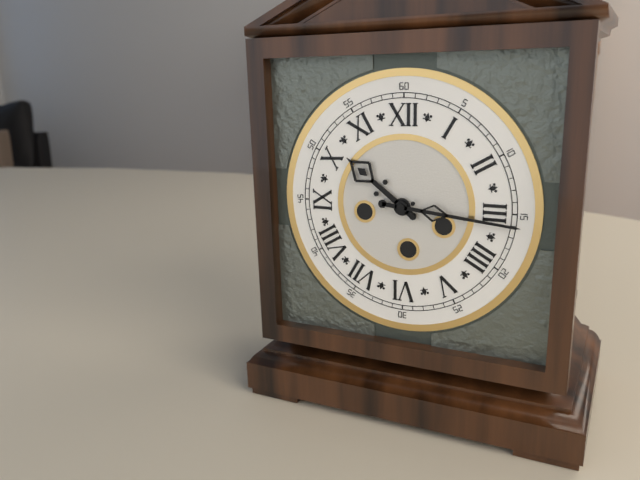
h=10 m=16
